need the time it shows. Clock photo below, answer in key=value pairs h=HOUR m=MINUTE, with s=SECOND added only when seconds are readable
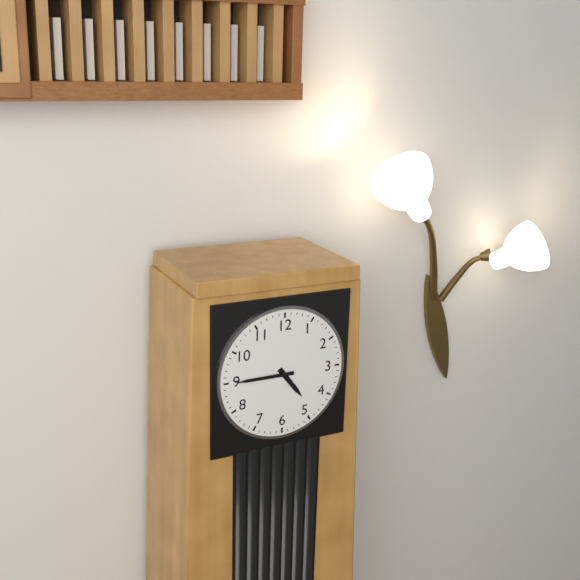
h=4 m=45
